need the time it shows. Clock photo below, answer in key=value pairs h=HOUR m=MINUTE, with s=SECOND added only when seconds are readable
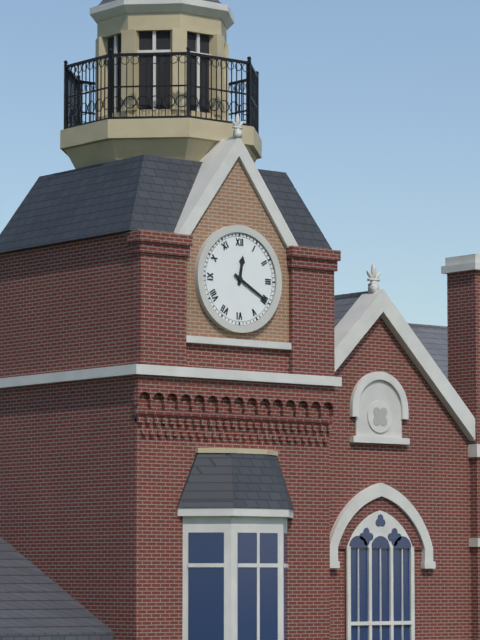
h=12 m=20
